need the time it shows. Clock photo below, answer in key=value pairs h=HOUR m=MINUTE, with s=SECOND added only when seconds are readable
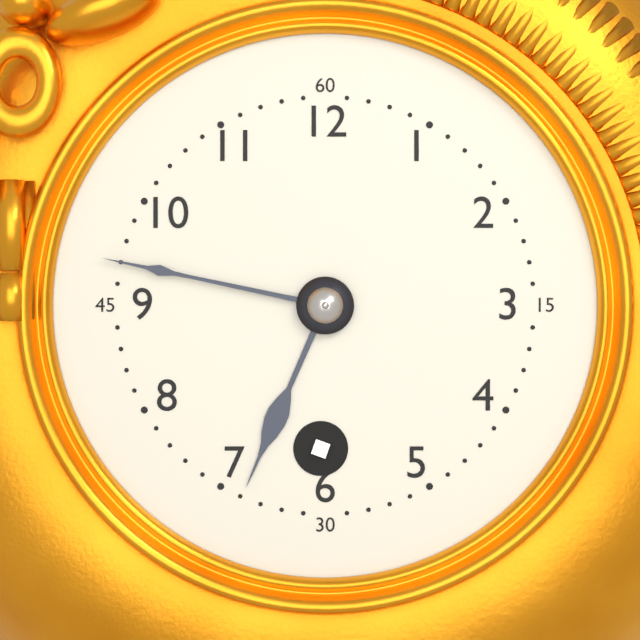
h=6 m=47
